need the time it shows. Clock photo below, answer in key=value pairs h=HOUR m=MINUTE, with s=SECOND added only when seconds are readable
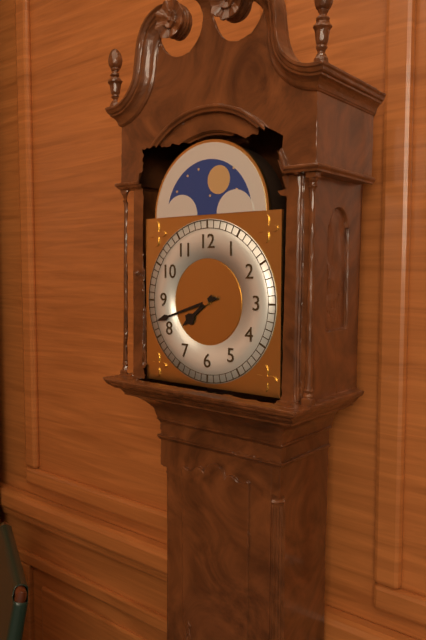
h=7 m=42
